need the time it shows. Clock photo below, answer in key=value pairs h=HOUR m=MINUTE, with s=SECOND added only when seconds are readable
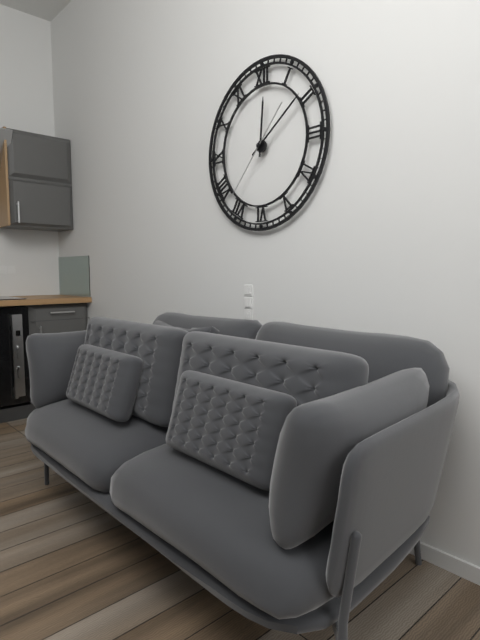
h=12 m=9 s=37
